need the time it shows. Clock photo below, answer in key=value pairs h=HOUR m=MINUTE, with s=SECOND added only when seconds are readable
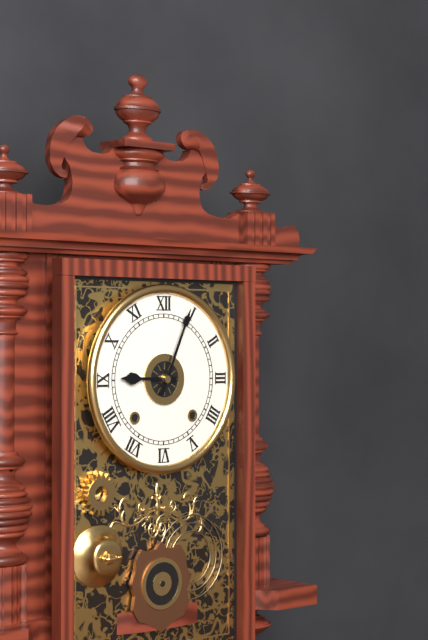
h=9 m=4
